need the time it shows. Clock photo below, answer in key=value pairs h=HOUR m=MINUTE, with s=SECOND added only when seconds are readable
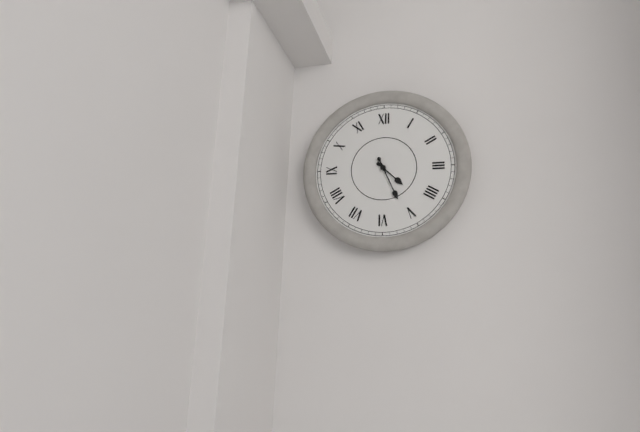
h=4 m=26
